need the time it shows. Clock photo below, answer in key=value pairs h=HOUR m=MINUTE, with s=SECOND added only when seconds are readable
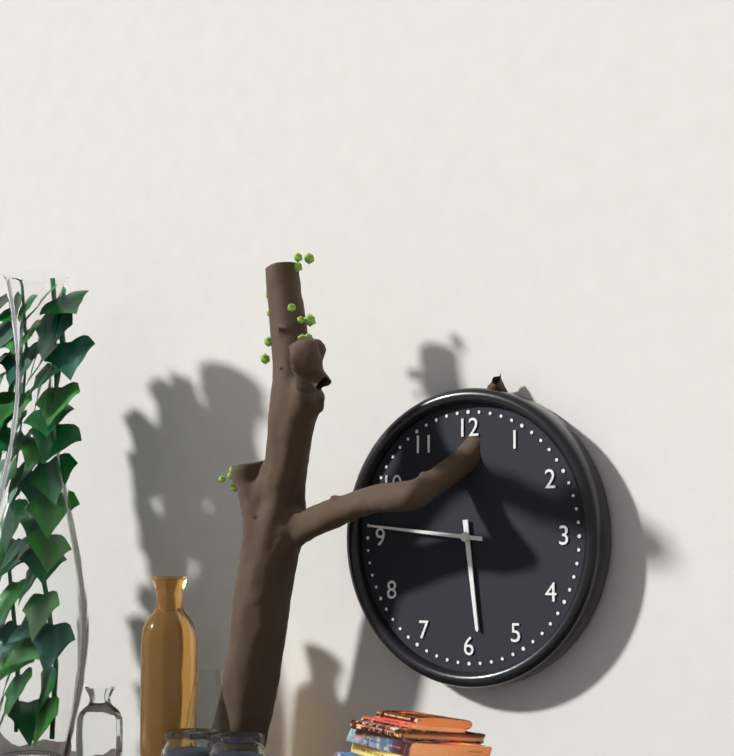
h=5 m=46
